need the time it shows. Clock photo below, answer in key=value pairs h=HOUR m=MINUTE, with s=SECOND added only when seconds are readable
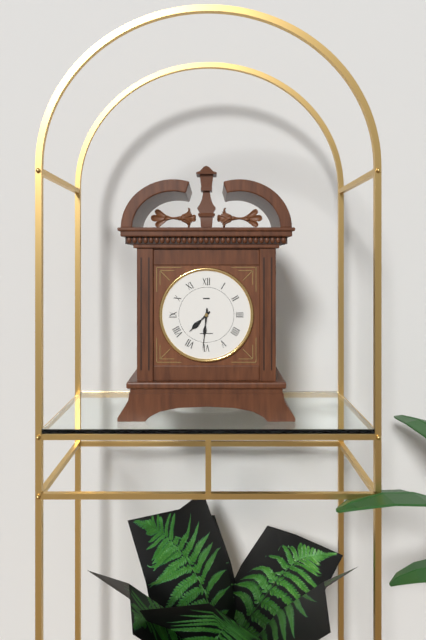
h=7 m=31
